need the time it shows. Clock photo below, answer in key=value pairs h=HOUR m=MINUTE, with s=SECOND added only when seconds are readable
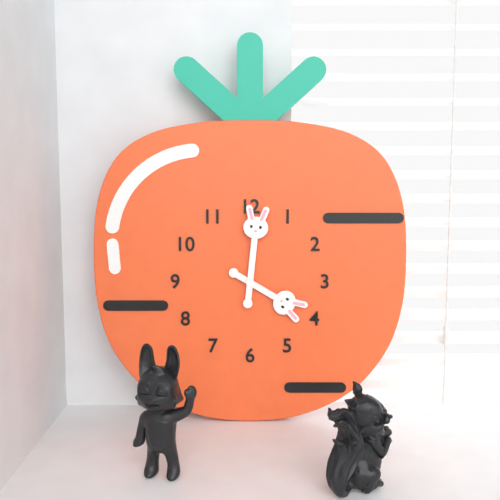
h=4 m=1
